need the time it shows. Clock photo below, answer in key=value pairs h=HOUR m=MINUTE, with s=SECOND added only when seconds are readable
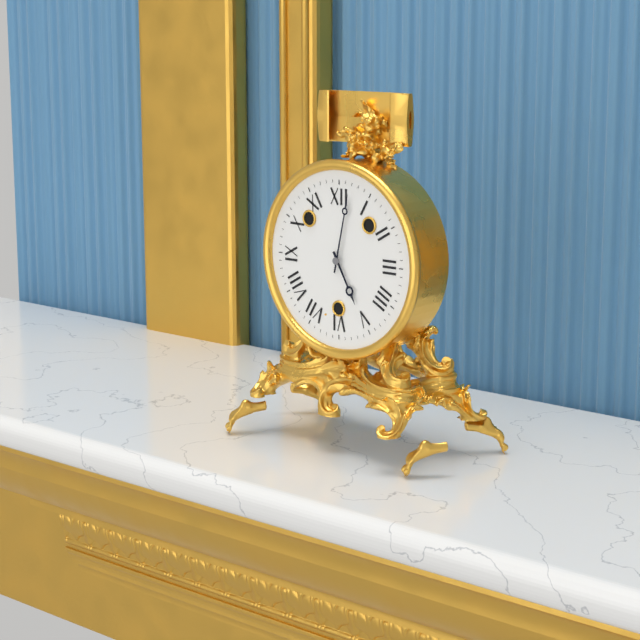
h=5 m=2
